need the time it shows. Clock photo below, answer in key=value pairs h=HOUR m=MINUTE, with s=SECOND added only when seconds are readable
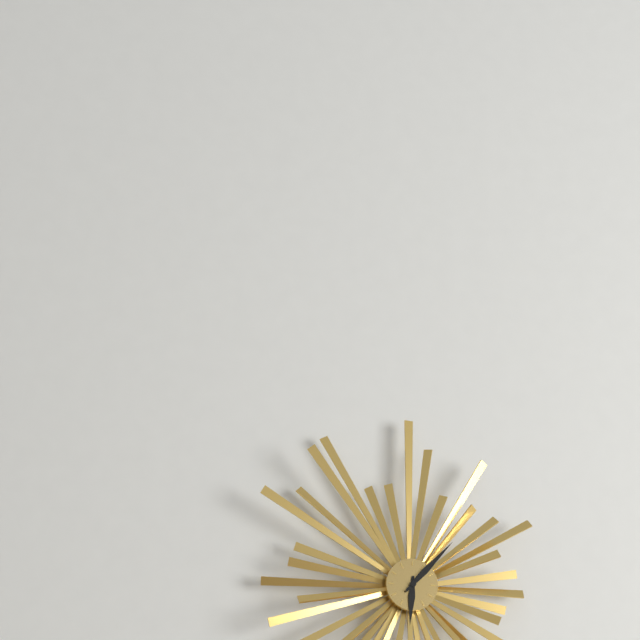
h=6 m=7
